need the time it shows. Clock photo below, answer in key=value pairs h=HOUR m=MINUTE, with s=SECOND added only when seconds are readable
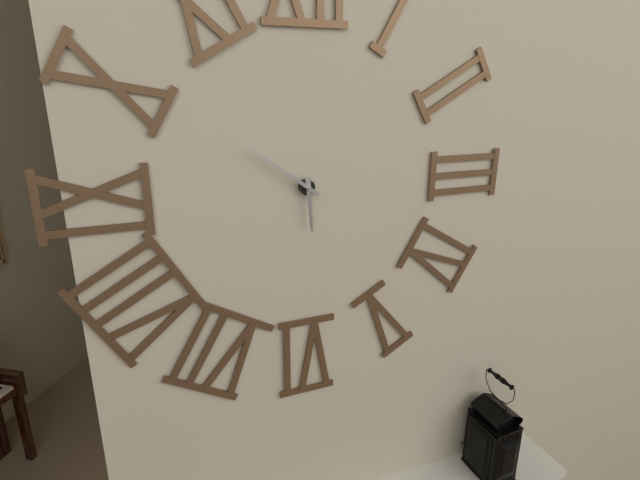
h=5 m=51
